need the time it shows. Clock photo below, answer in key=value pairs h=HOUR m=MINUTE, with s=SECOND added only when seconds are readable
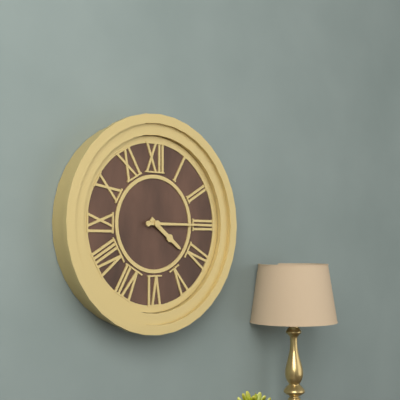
h=4 m=15
